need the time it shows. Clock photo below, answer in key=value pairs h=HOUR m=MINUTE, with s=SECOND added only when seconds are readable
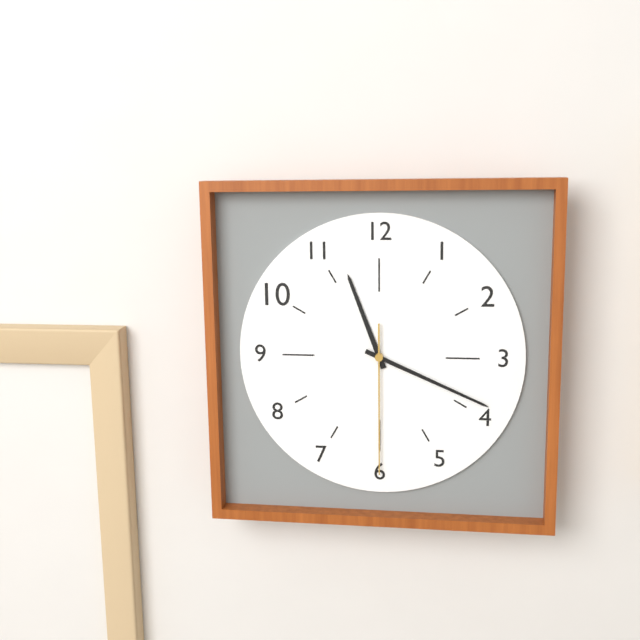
h=11 m=19 s=30
